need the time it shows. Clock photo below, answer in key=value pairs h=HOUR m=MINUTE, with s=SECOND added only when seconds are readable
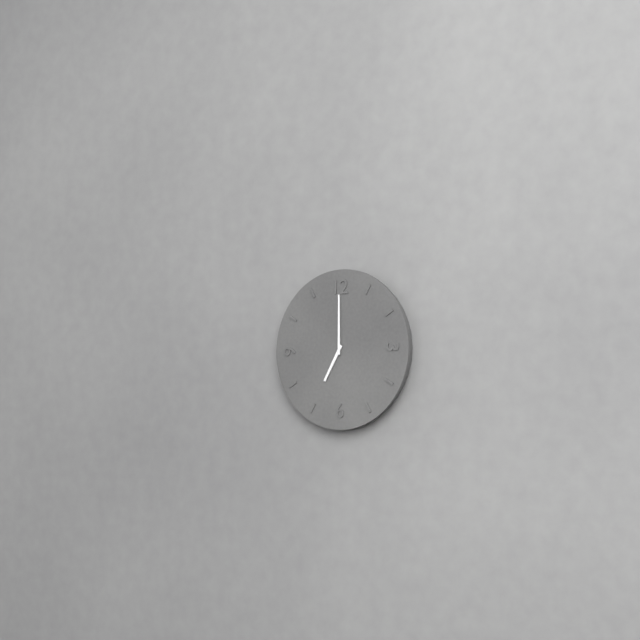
h=7 m=0
